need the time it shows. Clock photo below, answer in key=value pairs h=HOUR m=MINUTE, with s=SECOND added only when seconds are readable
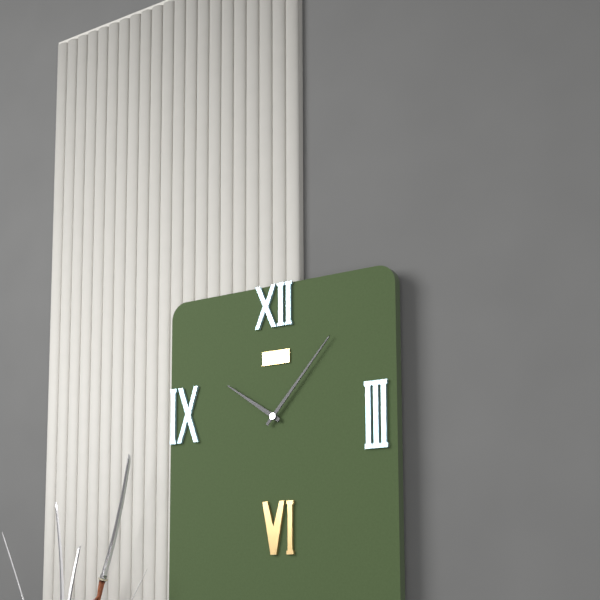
h=10 m=7
